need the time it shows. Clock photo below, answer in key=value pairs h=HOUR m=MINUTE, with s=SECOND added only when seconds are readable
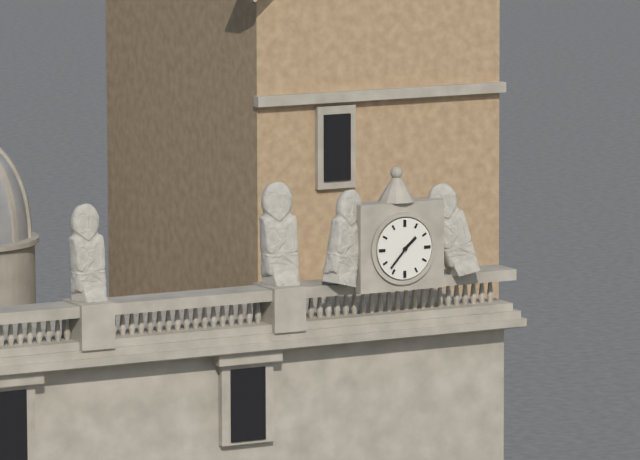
h=1 m=37
